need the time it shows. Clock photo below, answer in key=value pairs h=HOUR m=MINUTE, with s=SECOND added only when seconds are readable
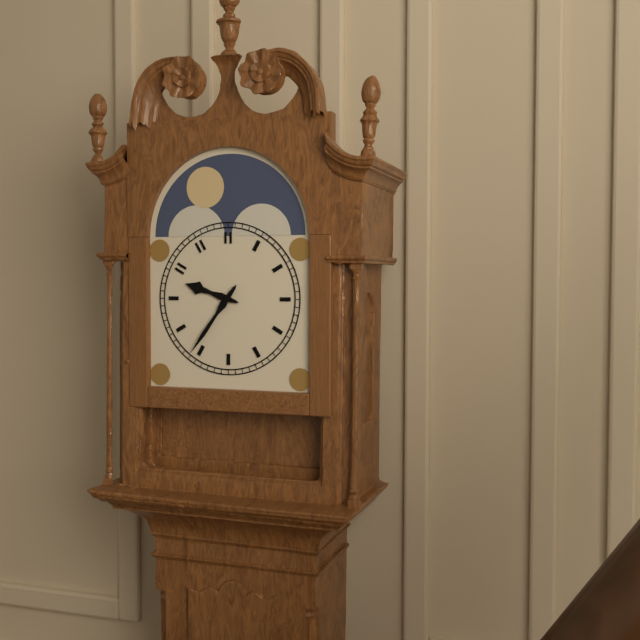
h=9 m=36
